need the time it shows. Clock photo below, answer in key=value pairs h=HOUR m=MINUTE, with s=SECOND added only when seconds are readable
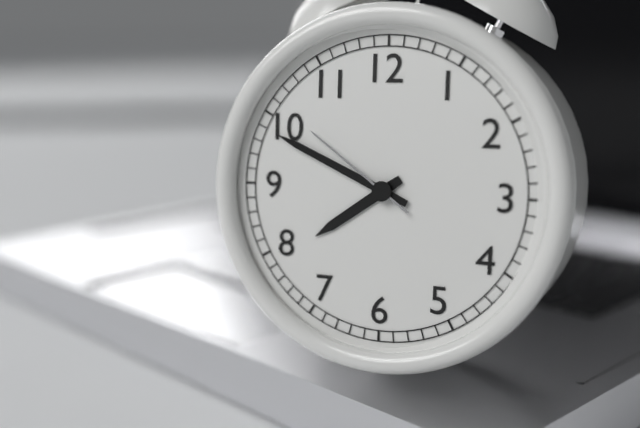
h=7 m=49 s=51
